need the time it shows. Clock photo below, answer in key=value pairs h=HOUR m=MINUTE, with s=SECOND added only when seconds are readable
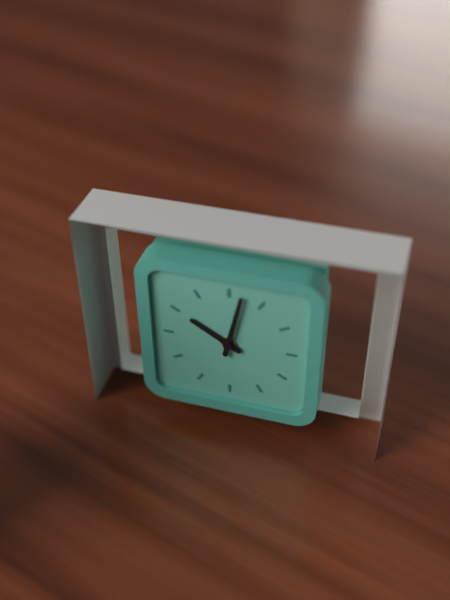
h=10 m=2
